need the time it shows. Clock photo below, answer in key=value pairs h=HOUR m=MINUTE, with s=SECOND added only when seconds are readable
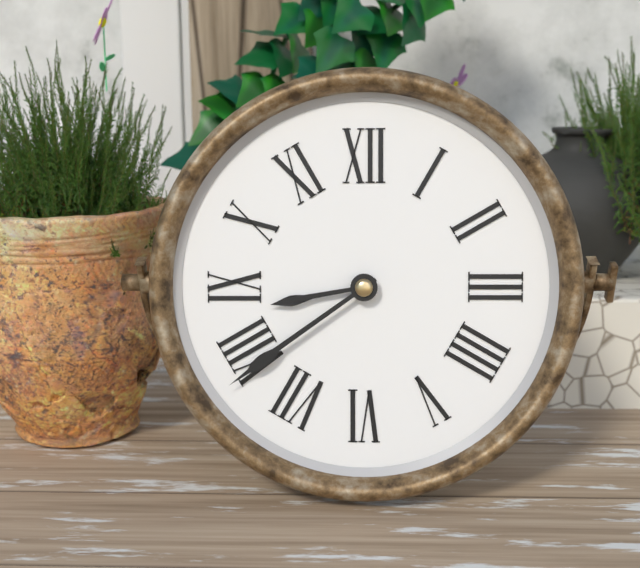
h=8 m=39
